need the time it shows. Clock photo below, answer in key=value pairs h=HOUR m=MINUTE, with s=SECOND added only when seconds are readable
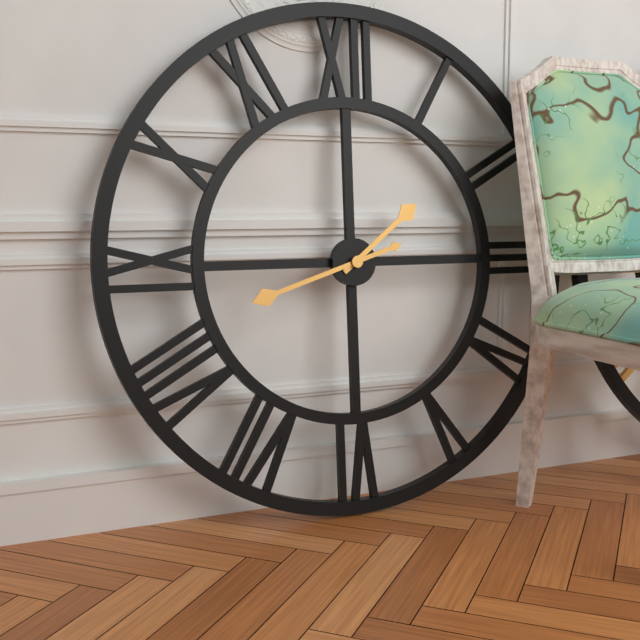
h=1 m=42
